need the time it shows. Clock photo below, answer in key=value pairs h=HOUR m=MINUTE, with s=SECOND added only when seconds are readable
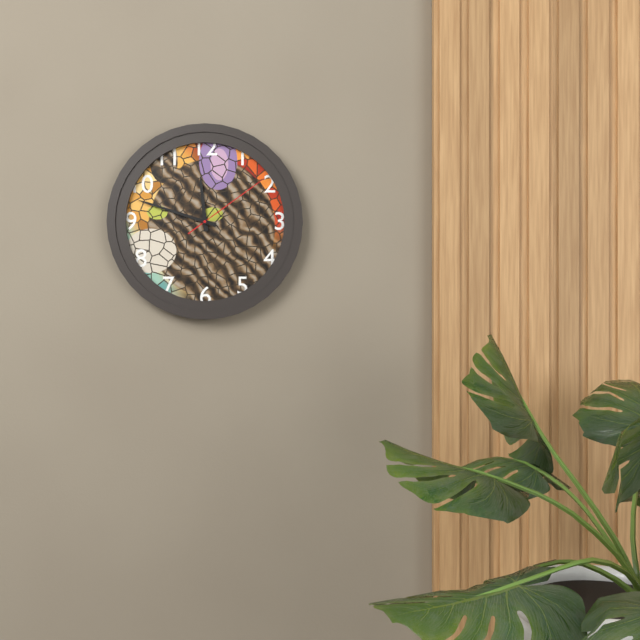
h=11 m=48 s=9
